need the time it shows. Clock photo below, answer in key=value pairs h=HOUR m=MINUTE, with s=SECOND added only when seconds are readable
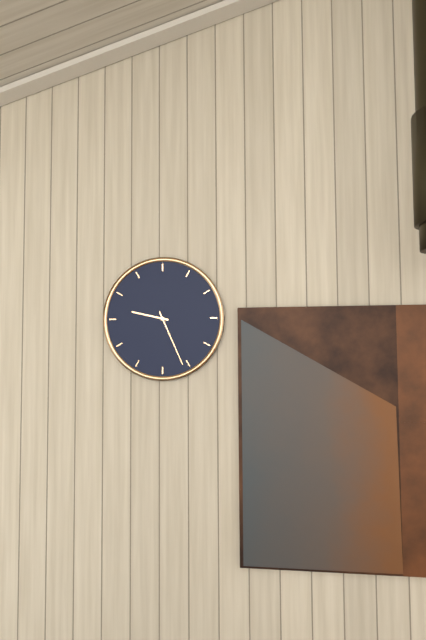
h=9 m=26
